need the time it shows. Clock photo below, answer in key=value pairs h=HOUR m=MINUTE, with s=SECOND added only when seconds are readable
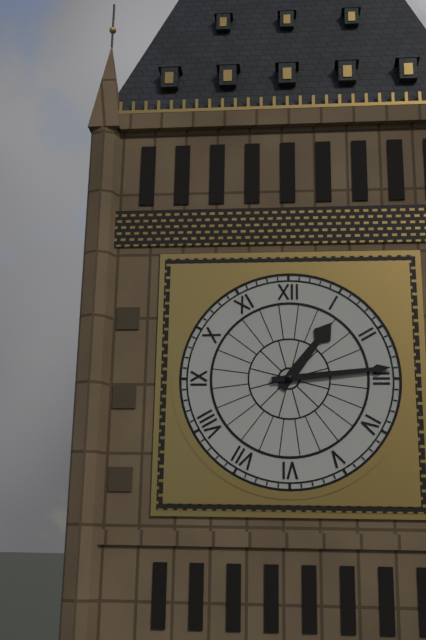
h=1 m=14
